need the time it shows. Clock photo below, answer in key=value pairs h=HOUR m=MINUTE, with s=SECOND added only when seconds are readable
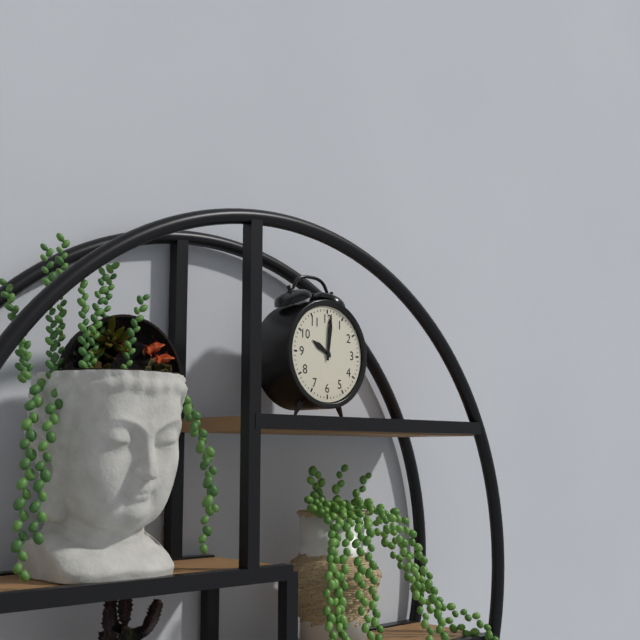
h=10 m=1
